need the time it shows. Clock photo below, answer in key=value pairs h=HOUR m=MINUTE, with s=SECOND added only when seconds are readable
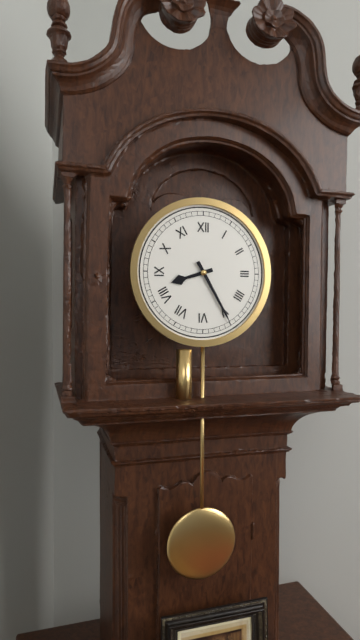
h=8 m=25
